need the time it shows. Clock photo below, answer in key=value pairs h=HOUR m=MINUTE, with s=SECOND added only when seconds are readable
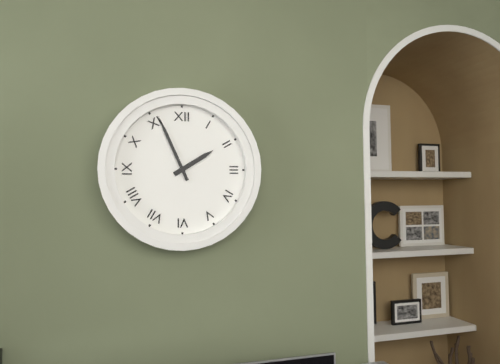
h=1 m=56
